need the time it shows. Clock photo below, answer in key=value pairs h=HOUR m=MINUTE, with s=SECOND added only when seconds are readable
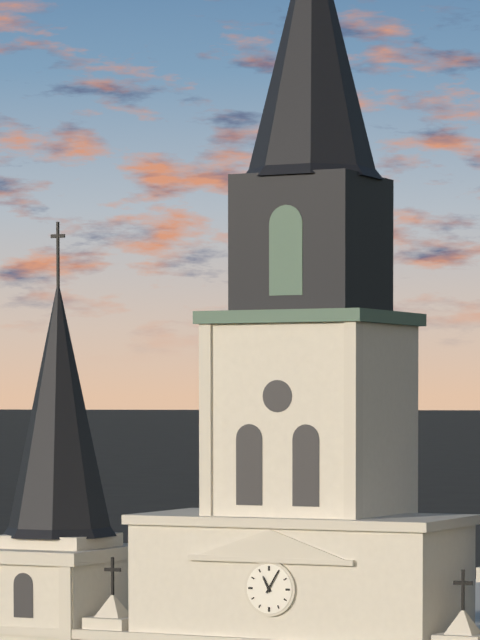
h=11 m=5
